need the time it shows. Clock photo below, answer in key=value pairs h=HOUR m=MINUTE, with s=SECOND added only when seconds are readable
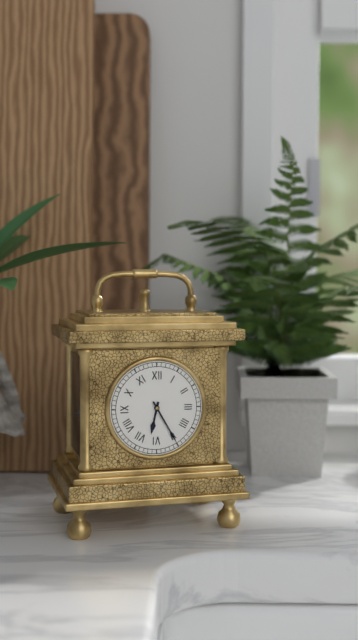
h=6 m=25
